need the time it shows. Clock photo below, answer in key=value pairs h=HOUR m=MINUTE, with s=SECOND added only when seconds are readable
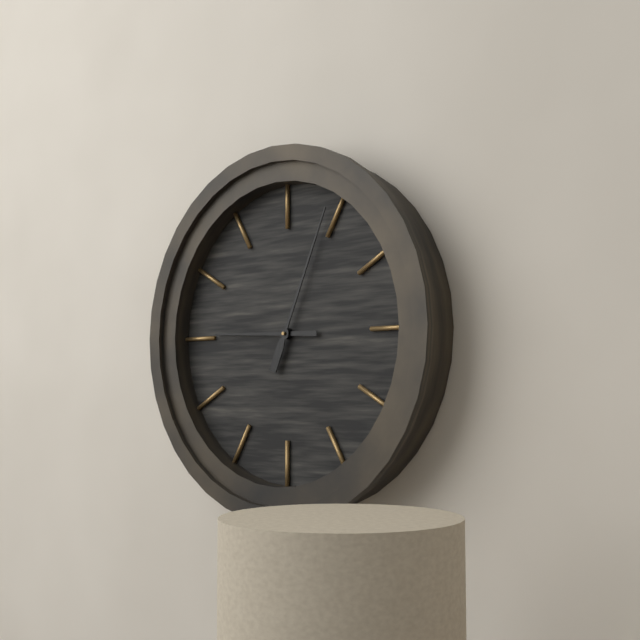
h=9 m=4
